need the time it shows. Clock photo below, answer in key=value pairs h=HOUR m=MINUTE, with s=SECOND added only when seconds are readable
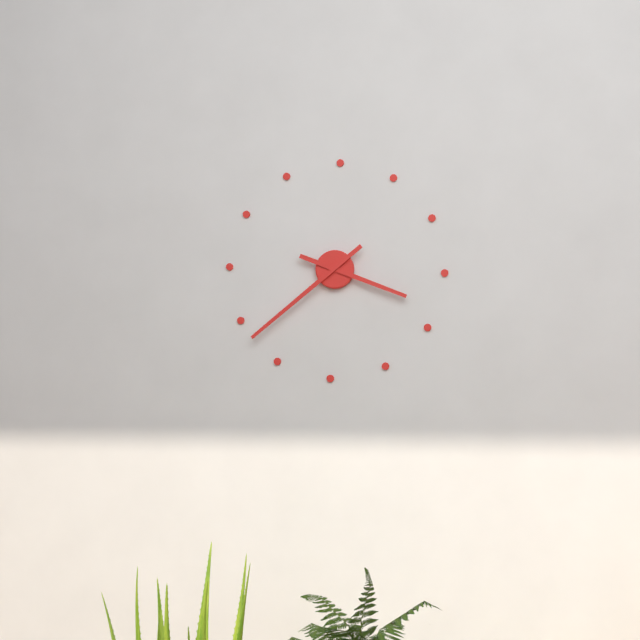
h=3 m=38
